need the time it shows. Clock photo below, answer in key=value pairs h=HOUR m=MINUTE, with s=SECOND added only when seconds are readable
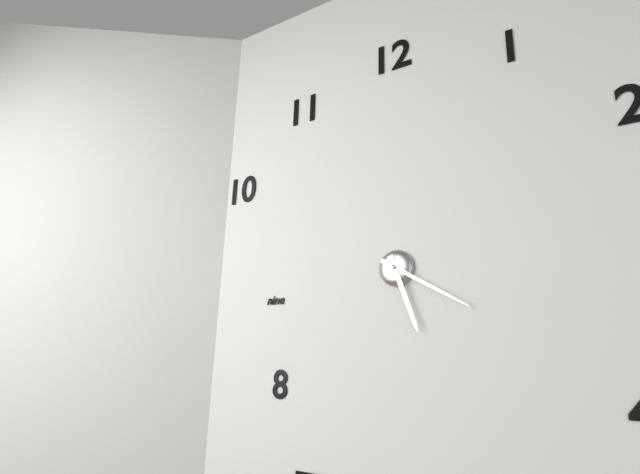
h=5 m=20
